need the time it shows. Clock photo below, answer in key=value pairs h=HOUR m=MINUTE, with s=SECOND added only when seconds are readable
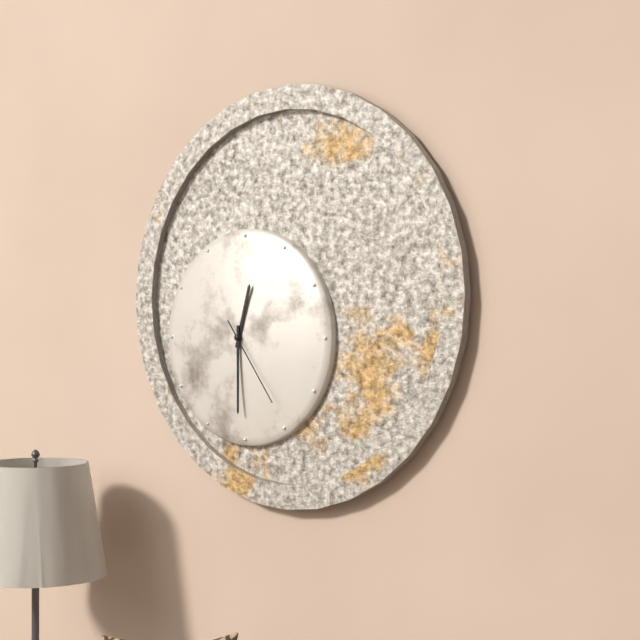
h=12 m=30 s=24
